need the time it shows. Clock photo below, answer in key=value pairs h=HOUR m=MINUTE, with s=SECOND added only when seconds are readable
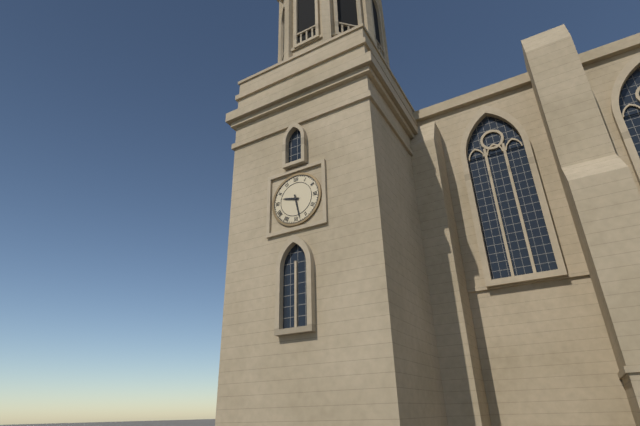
h=9 m=28
